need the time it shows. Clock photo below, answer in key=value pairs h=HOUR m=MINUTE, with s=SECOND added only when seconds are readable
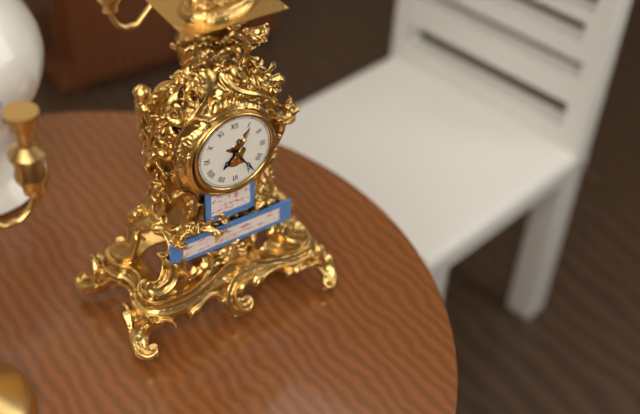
h=7 m=24
